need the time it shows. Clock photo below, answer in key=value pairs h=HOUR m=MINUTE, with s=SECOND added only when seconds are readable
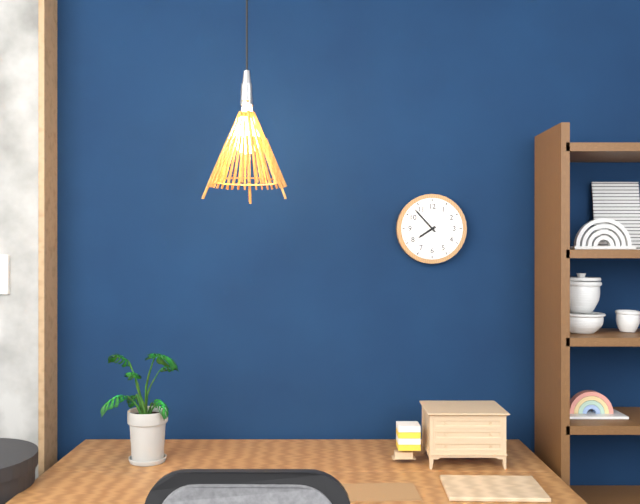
h=7 m=53
